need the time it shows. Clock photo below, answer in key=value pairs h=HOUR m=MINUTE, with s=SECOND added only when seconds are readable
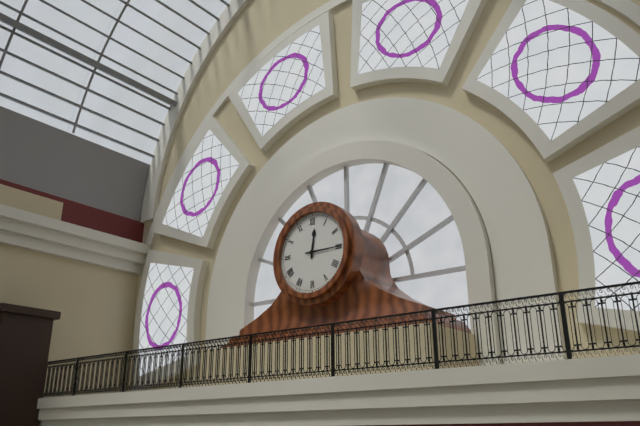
h=12 m=15
